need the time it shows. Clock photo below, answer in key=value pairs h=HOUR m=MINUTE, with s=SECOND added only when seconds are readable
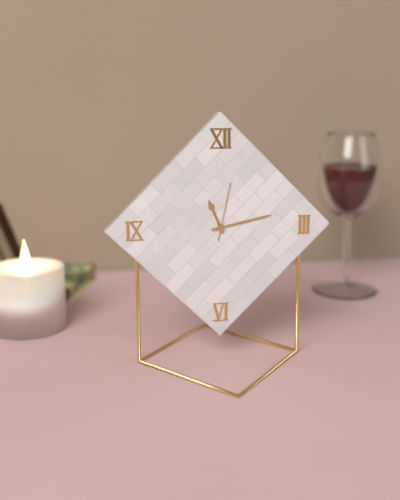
h=11 m=13 s=2
